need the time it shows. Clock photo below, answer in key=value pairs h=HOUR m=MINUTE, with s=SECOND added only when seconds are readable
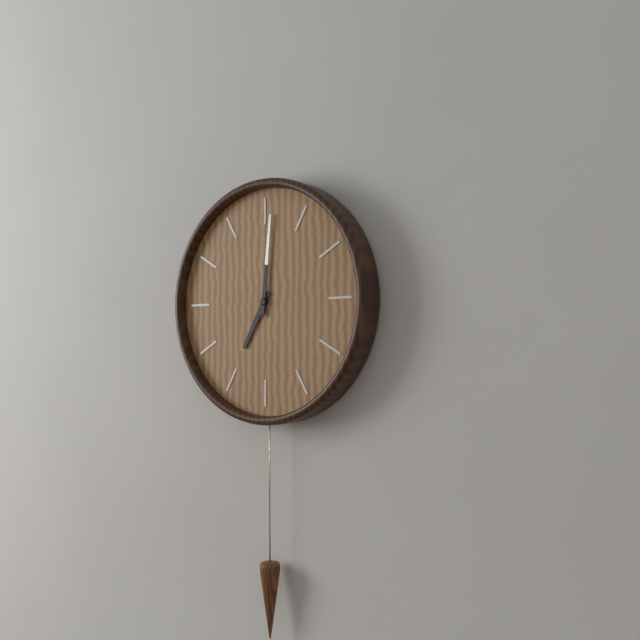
h=7 m=1
